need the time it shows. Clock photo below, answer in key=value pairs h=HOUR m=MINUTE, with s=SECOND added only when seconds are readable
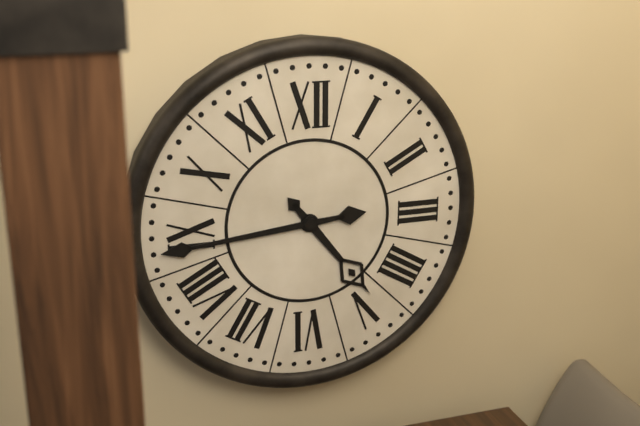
h=4 m=44
